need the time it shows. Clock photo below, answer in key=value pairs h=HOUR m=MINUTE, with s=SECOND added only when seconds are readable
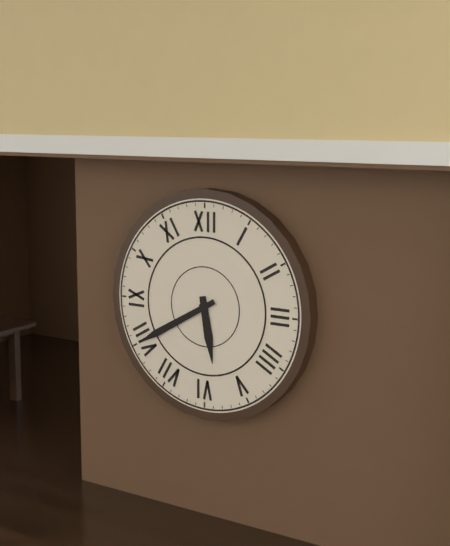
h=5 m=40
